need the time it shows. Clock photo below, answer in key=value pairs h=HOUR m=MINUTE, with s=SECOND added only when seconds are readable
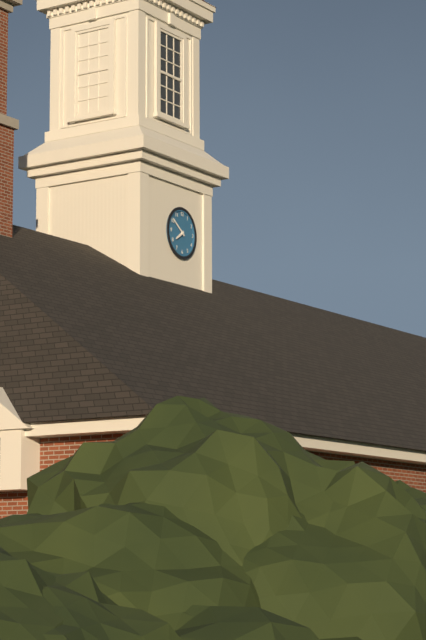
h=7 m=51
